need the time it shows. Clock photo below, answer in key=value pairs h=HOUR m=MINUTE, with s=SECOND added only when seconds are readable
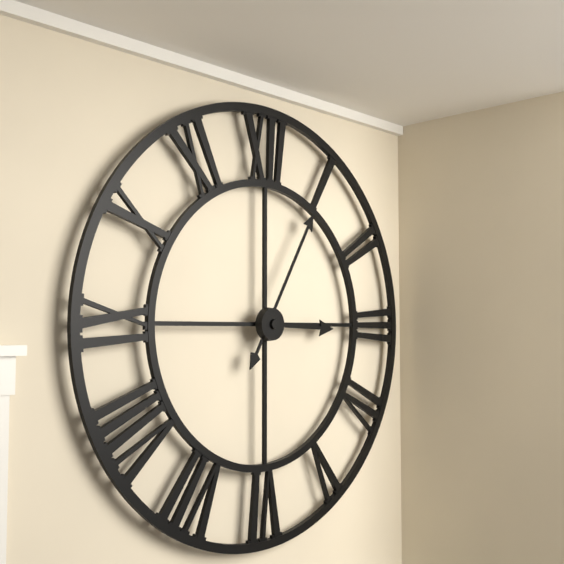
h=3 m=5
